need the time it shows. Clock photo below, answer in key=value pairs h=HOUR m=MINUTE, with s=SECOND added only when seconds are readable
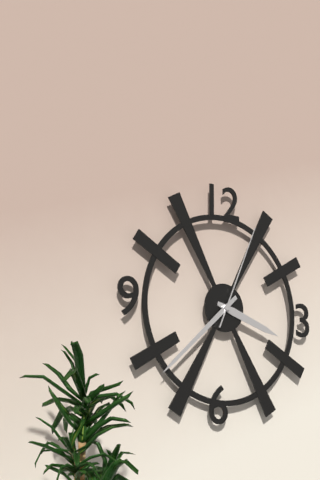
h=3 m=38 s=4
